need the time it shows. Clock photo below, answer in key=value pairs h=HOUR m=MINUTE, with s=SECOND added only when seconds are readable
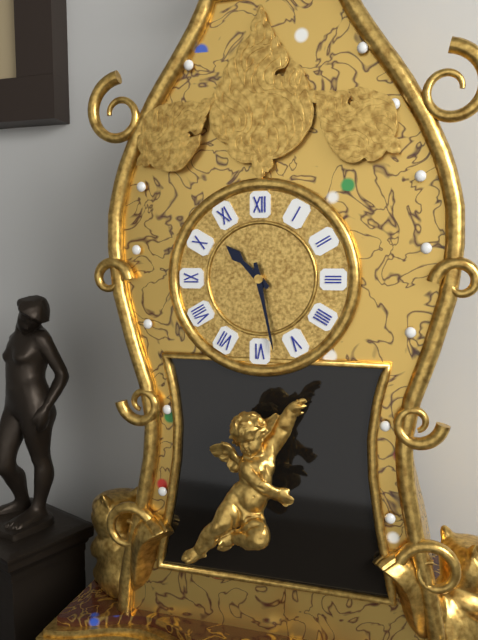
h=10 m=28
